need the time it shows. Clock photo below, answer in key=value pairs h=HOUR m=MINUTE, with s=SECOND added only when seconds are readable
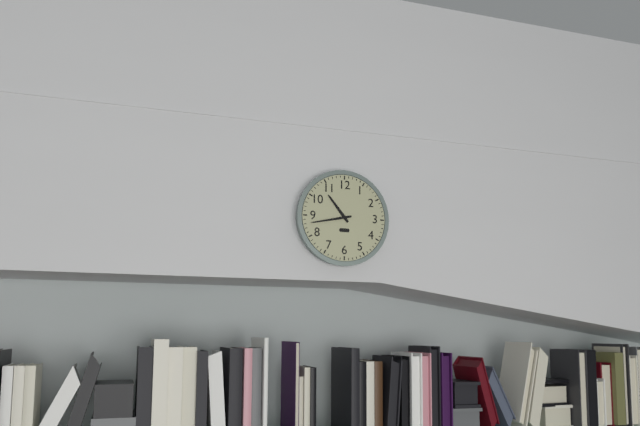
h=10 m=43
